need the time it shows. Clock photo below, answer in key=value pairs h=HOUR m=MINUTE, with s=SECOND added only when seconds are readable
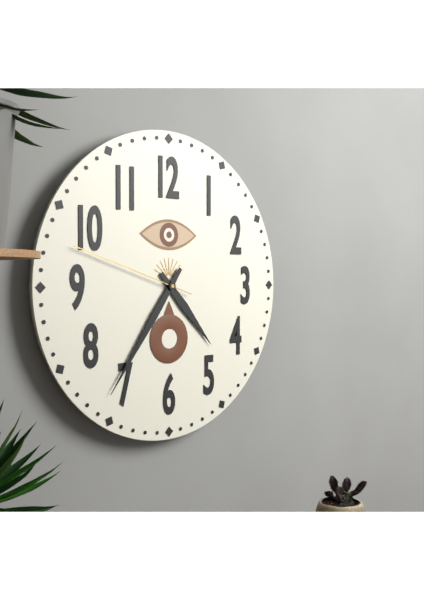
h=4 m=36 s=48
